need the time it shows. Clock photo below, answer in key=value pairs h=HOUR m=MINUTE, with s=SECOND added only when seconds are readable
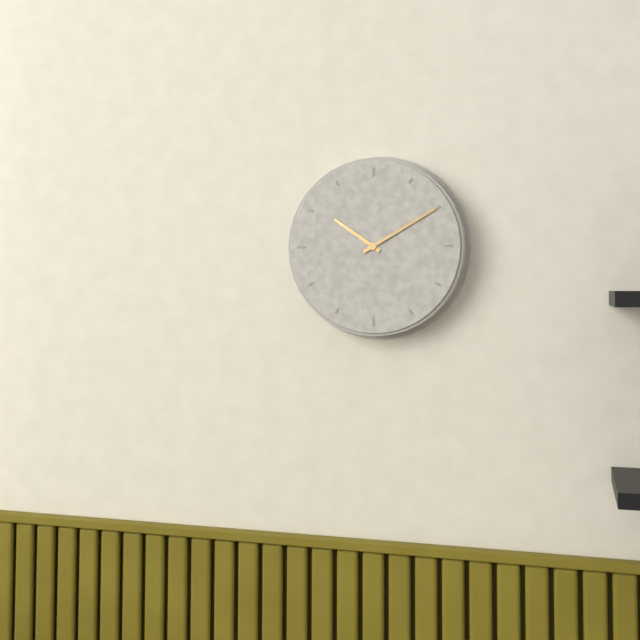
h=10 m=10
